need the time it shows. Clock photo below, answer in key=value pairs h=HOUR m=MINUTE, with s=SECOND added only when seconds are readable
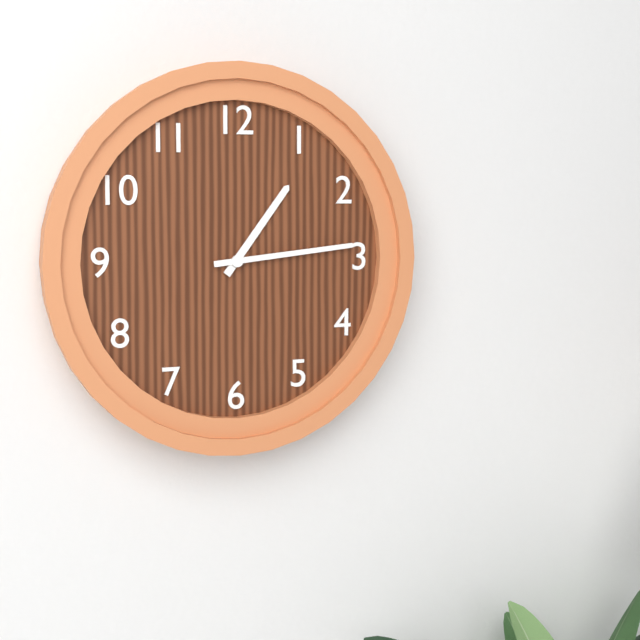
h=1 m=14
